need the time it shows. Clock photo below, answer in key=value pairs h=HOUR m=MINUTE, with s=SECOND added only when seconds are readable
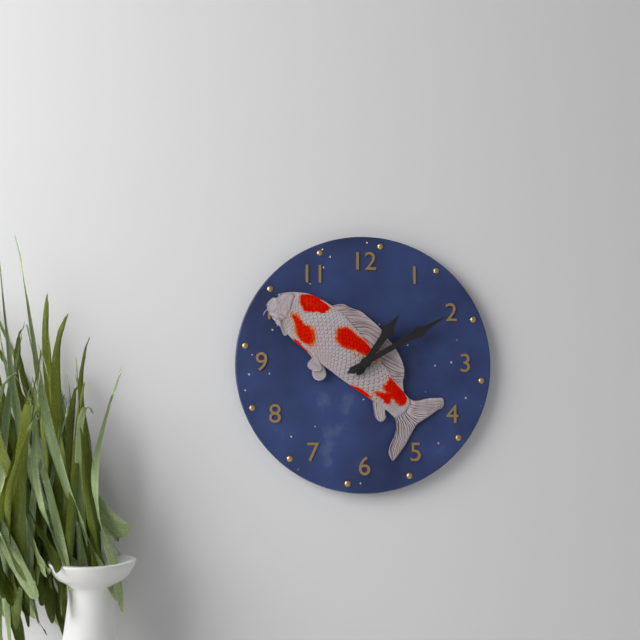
h=1 m=10
